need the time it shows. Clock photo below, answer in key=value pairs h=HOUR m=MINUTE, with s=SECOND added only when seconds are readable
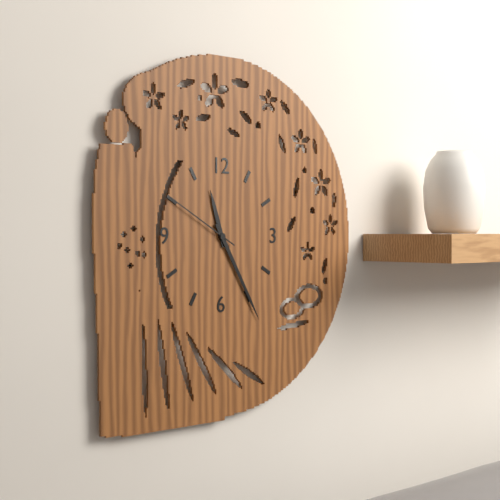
h=11 m=25 s=50
